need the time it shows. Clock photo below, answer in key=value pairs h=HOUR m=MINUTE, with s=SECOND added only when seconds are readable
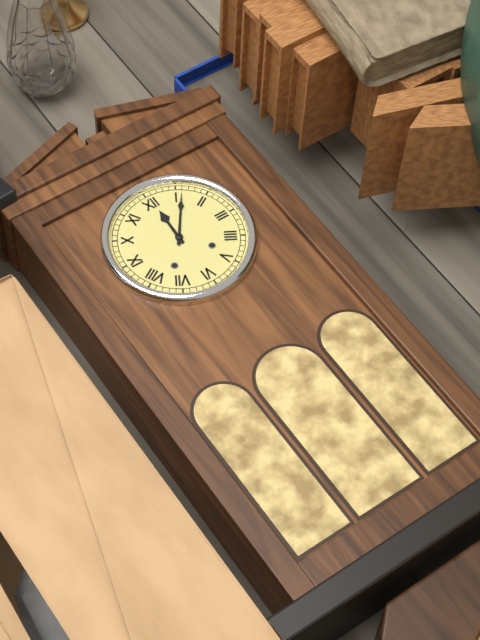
h=12 m=6
